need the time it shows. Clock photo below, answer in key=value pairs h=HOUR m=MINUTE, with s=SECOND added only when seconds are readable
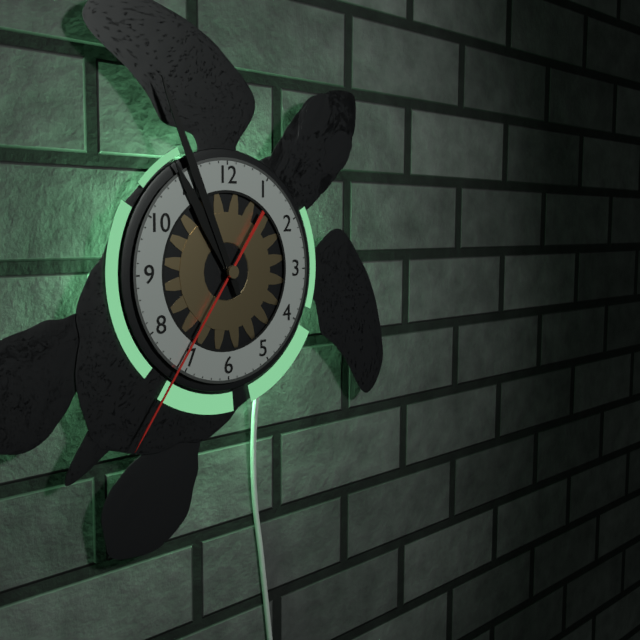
h=10 m=56 s=36
